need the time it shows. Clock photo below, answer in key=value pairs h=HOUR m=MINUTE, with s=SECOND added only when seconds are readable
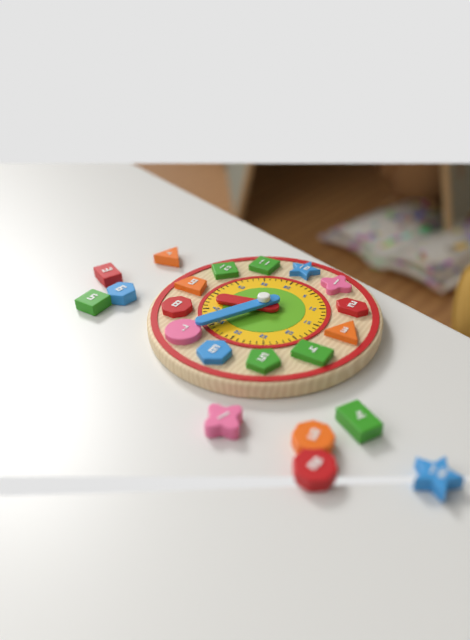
h=8 m=35
